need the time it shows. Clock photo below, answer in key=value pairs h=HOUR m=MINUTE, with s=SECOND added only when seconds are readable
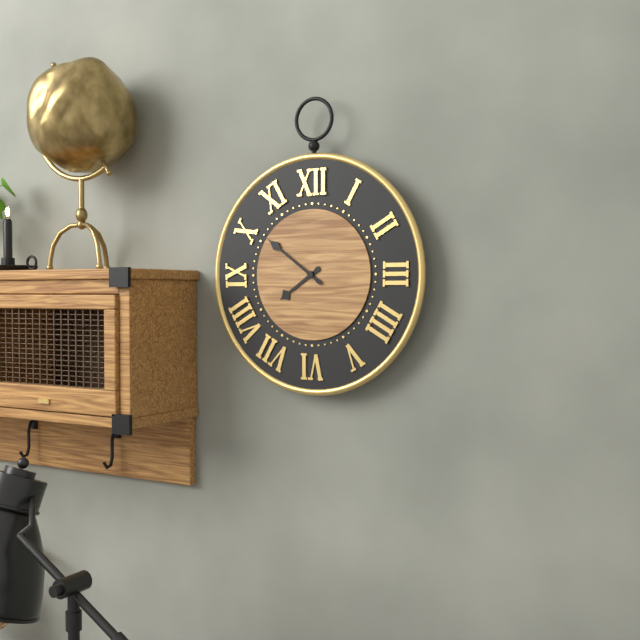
h=7 m=51
